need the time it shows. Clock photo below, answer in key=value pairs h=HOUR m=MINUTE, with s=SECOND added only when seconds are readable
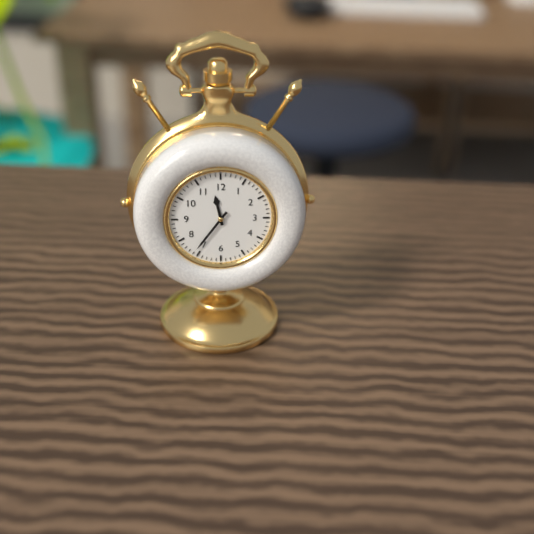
h=11 m=36
